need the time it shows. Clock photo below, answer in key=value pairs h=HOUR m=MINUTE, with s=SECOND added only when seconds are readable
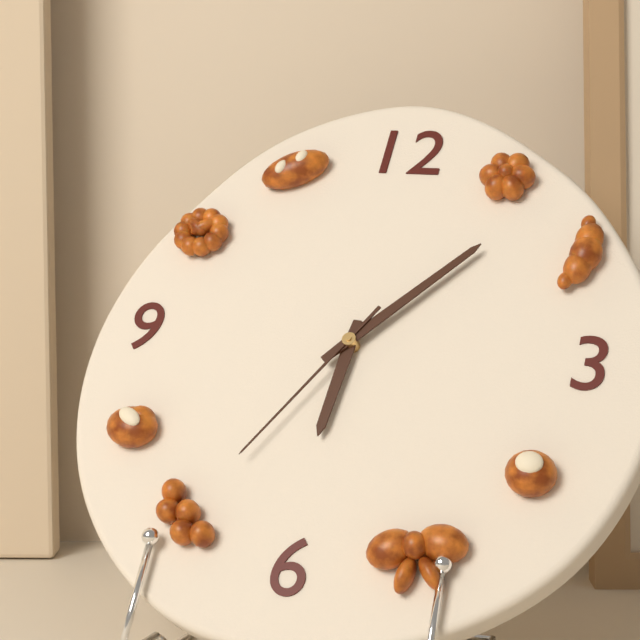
h=6 m=7 s=35
